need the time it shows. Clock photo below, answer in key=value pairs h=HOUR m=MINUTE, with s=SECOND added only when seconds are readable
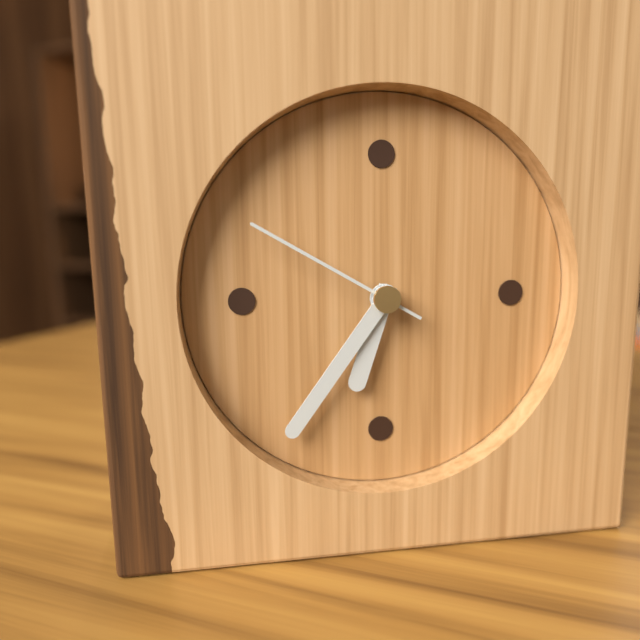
h=6 m=36 s=50
